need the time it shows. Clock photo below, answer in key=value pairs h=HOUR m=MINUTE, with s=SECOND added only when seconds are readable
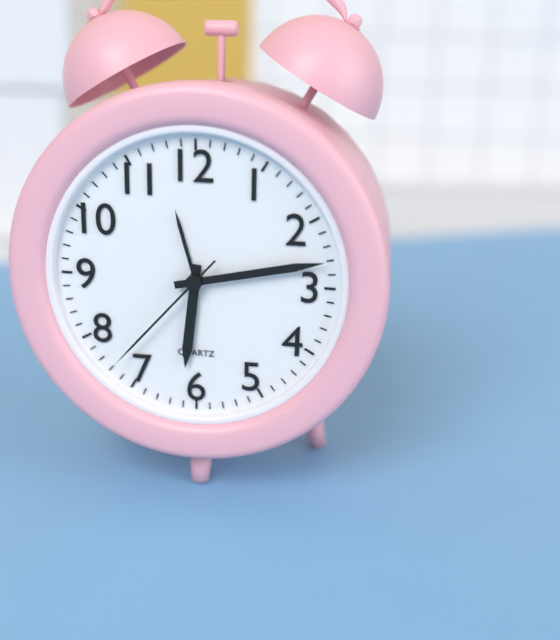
h=6 m=13 s=37
